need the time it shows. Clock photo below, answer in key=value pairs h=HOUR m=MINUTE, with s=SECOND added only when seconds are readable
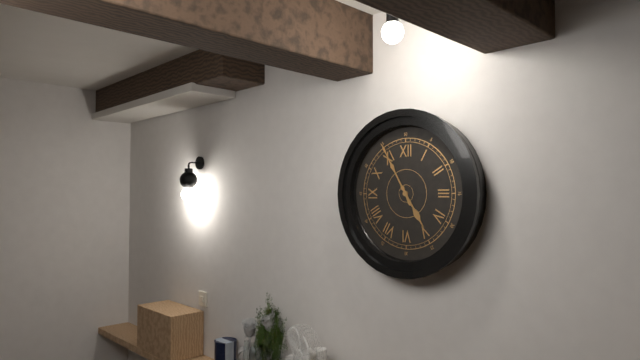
h=4 m=55
